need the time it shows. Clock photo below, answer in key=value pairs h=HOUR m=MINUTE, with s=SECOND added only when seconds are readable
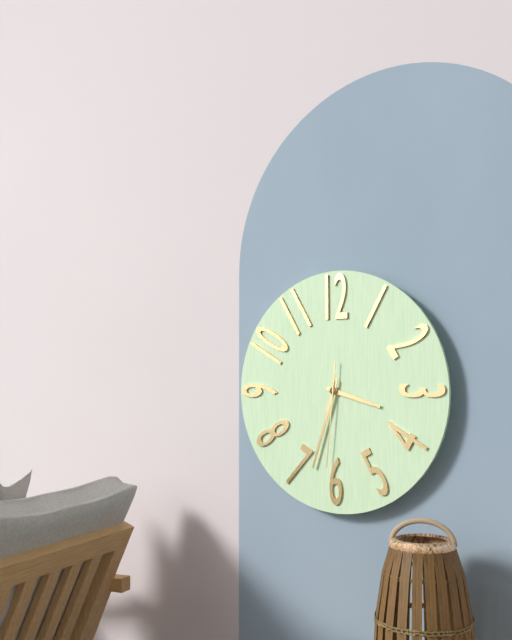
h=3 m=33 s=31
